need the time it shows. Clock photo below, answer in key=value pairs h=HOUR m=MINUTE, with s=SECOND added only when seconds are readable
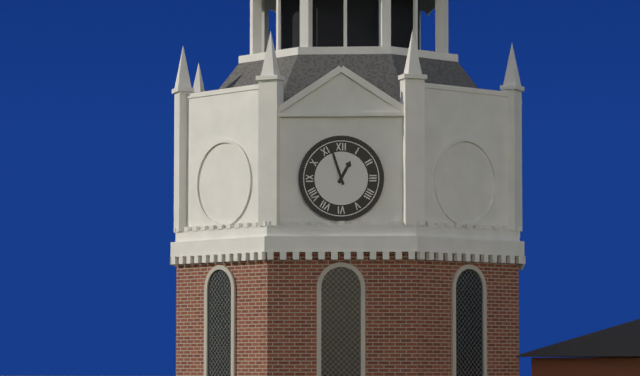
h=12 m=57
